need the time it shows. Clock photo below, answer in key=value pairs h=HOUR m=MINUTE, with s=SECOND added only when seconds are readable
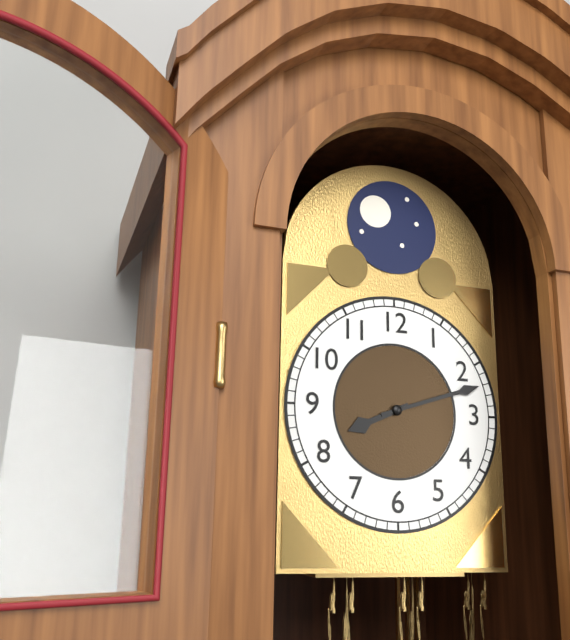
h=8 m=12
